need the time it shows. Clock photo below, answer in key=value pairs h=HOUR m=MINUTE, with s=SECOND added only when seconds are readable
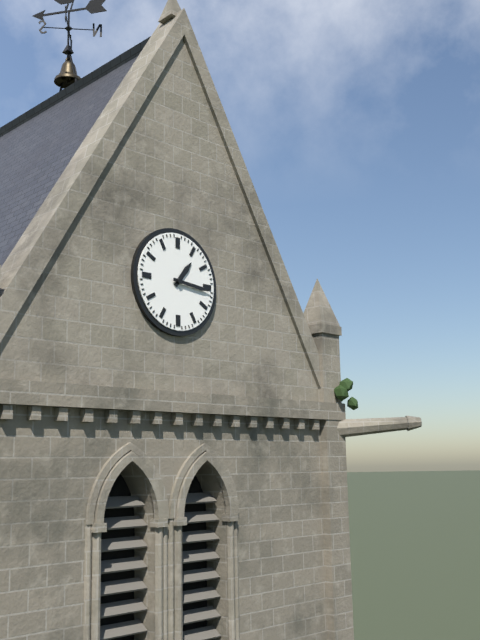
h=1 m=16
